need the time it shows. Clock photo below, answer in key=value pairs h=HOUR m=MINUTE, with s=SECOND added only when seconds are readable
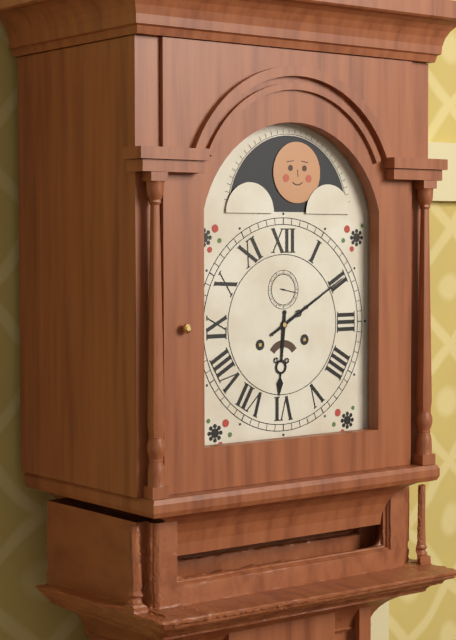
h=6 m=10
